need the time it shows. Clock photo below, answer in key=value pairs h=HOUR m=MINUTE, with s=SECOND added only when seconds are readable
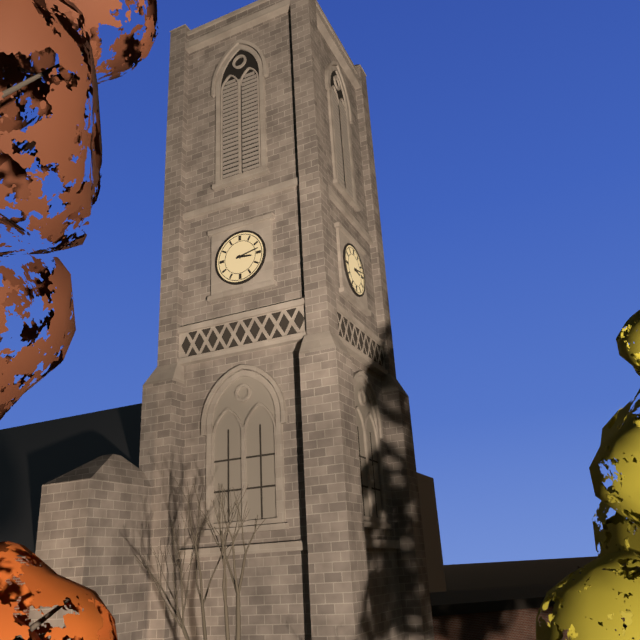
h=3 m=13
